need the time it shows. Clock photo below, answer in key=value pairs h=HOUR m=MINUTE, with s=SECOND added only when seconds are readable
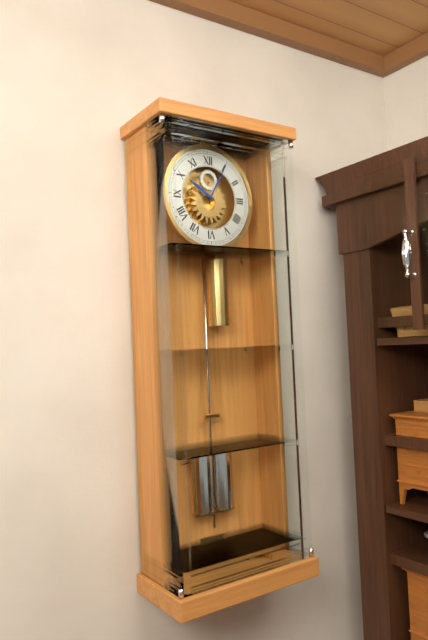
h=10 m=5
